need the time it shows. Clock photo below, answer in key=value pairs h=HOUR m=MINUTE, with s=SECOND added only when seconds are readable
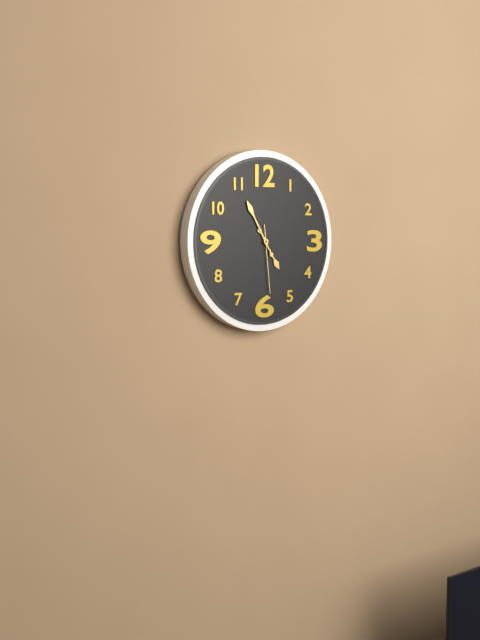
h=4 m=55 s=29
